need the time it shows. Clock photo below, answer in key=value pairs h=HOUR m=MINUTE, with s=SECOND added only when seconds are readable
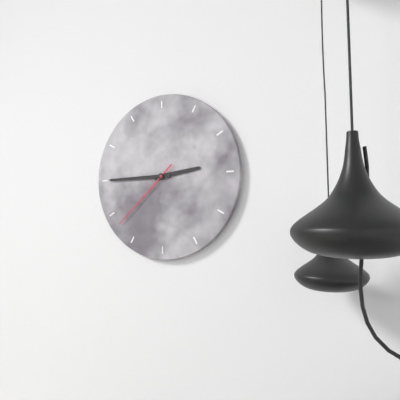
h=2 m=45 s=38
